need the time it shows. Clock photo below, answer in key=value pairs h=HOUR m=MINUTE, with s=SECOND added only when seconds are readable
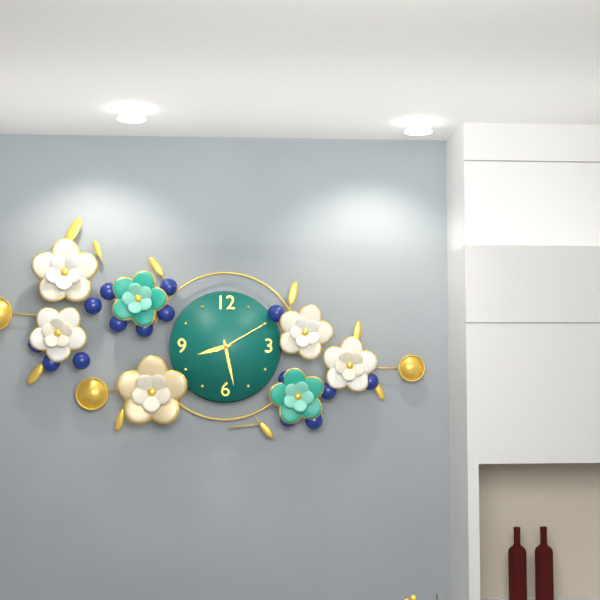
h=8 m=28 s=10
